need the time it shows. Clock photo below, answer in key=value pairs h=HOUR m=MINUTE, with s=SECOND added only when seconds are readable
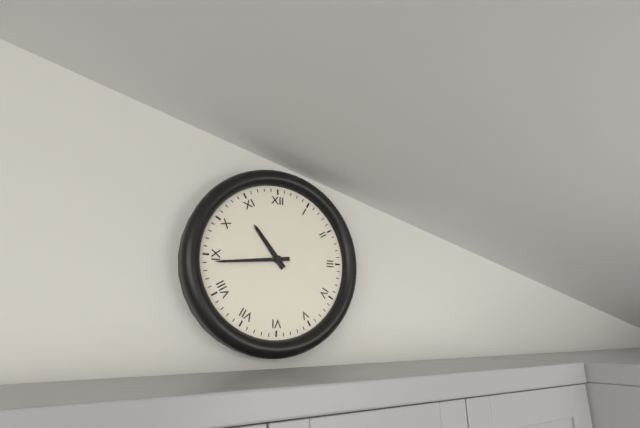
h=10 m=44
